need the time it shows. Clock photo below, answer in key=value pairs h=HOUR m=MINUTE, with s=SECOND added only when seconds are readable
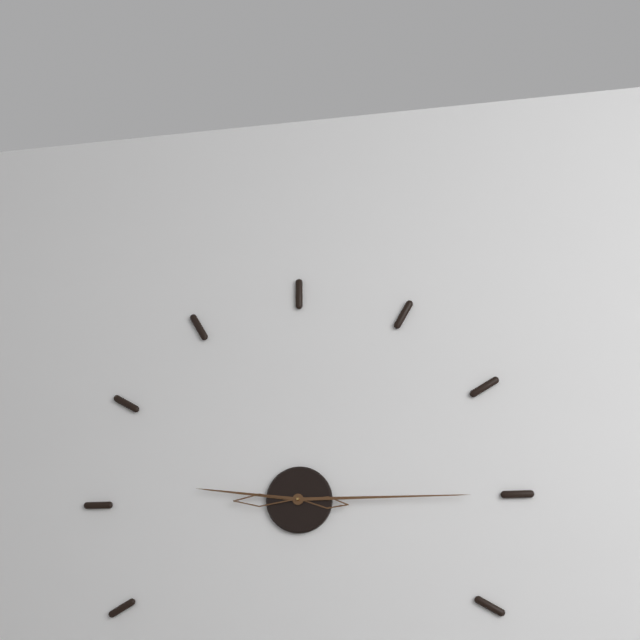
h=9 m=15
